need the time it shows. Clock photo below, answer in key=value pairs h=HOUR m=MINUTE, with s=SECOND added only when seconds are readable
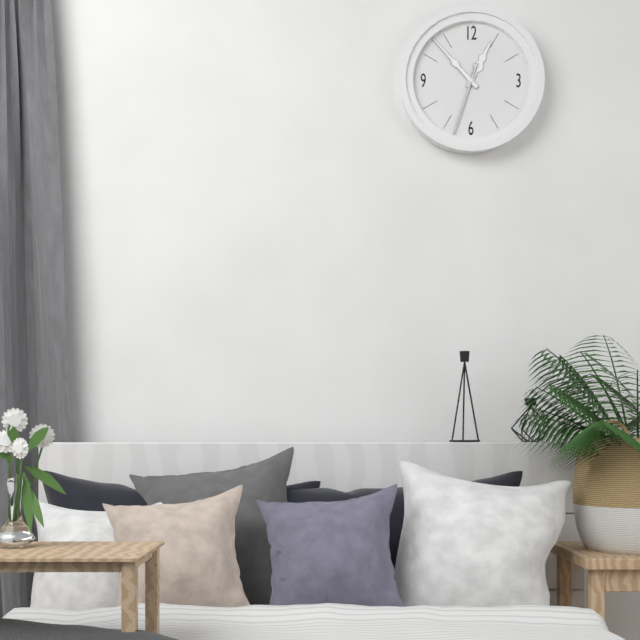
h=12 m=53 s=33
